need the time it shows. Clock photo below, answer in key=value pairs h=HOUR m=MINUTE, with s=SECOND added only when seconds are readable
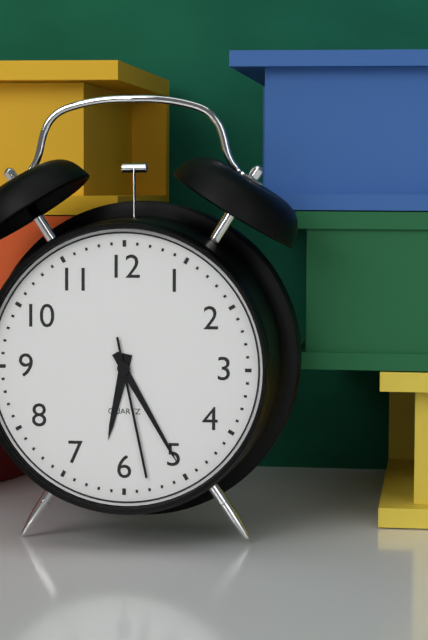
h=6 m=25 s=28
